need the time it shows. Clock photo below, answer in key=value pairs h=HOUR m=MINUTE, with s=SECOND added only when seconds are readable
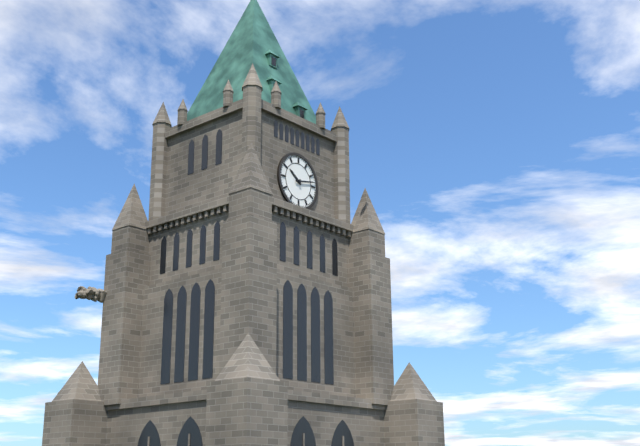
h=10 m=13
